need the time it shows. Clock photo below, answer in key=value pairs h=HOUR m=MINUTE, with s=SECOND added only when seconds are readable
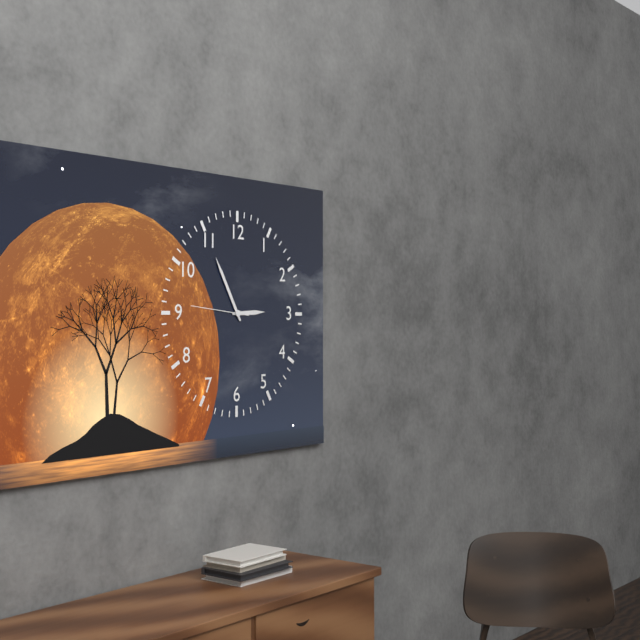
h=2 m=55 s=46
